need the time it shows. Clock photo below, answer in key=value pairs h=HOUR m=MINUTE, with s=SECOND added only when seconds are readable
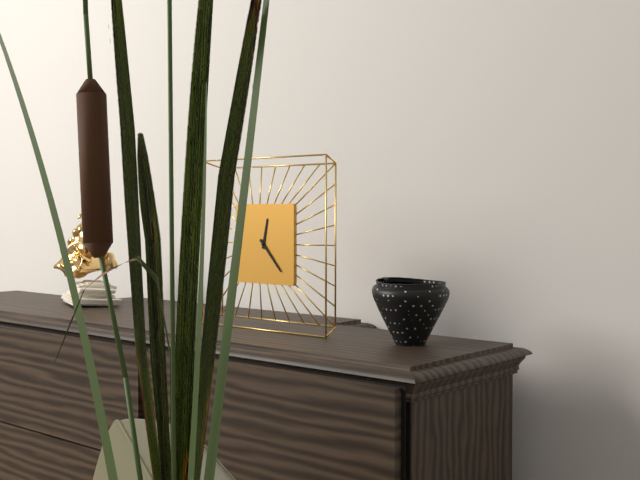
h=12 m=23
